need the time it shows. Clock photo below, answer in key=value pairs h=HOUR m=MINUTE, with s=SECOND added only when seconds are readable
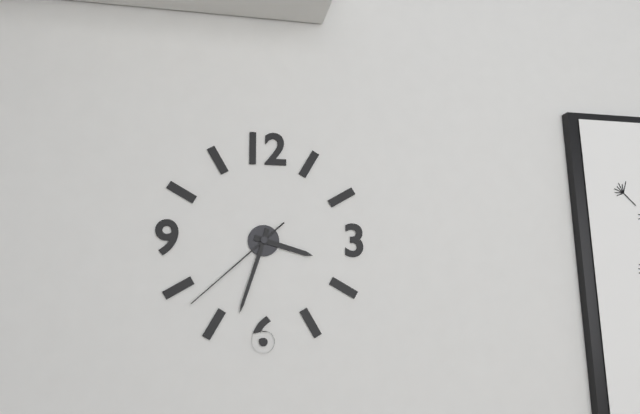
h=3 m=33 s=38
